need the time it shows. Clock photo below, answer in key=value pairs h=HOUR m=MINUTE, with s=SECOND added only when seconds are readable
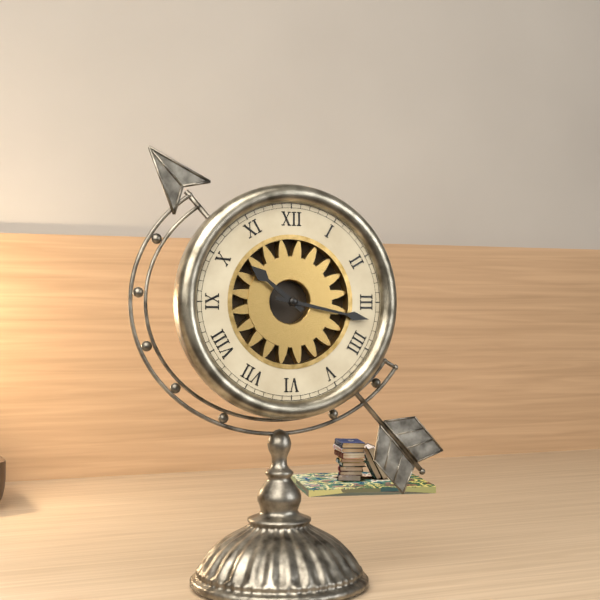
h=10 m=17
